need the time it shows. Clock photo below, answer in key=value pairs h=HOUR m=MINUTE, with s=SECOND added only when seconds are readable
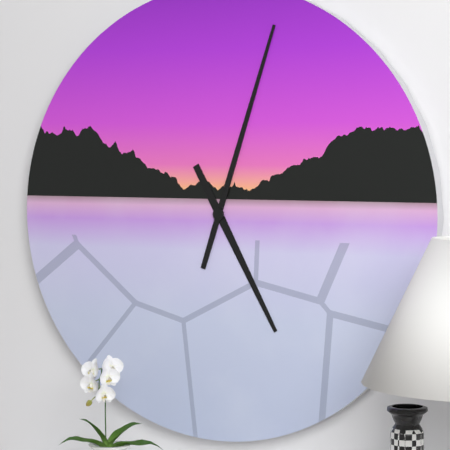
h=5 m=3
